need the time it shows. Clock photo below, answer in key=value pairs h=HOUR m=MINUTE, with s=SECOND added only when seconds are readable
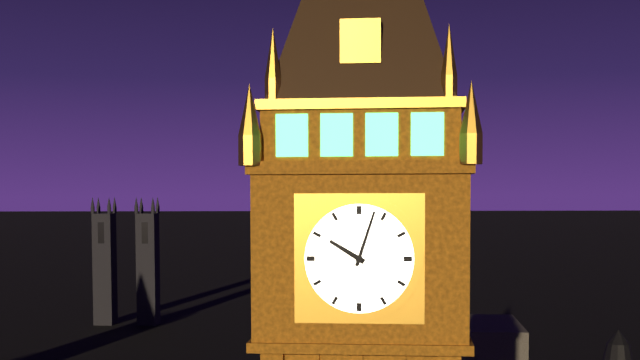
h=10 m=3
